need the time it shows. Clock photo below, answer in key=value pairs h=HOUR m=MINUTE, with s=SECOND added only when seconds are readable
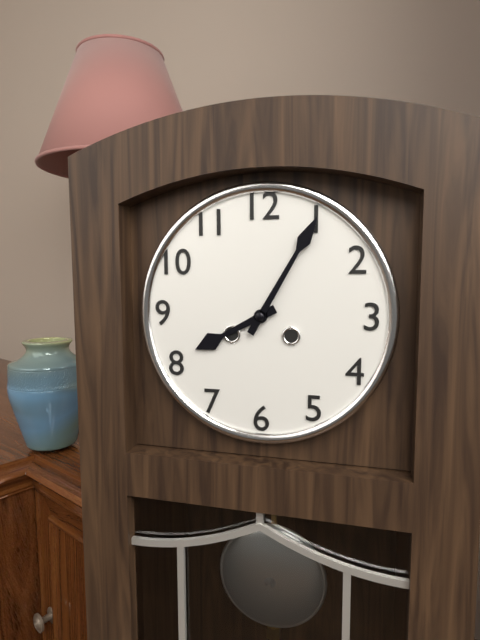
h=8 m=5
